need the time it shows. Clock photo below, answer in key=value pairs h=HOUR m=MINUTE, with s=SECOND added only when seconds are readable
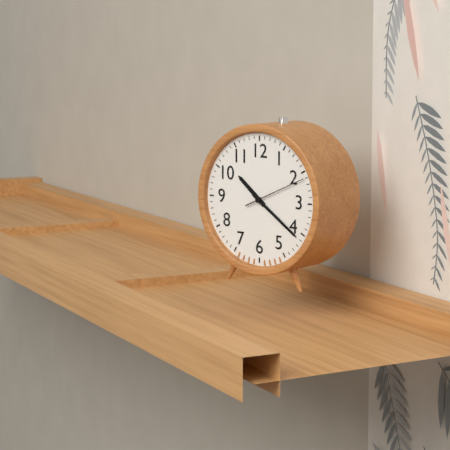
h=10 m=21 s=11
